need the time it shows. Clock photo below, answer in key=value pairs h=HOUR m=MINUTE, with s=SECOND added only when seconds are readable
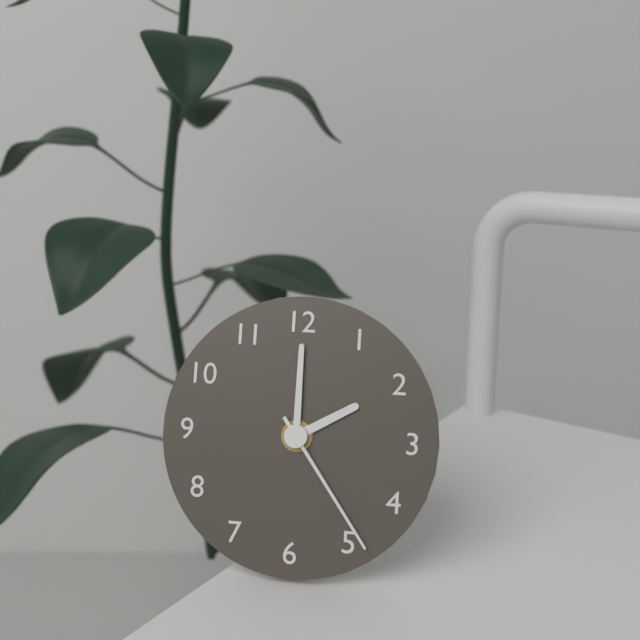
h=2 m=0 s=24
